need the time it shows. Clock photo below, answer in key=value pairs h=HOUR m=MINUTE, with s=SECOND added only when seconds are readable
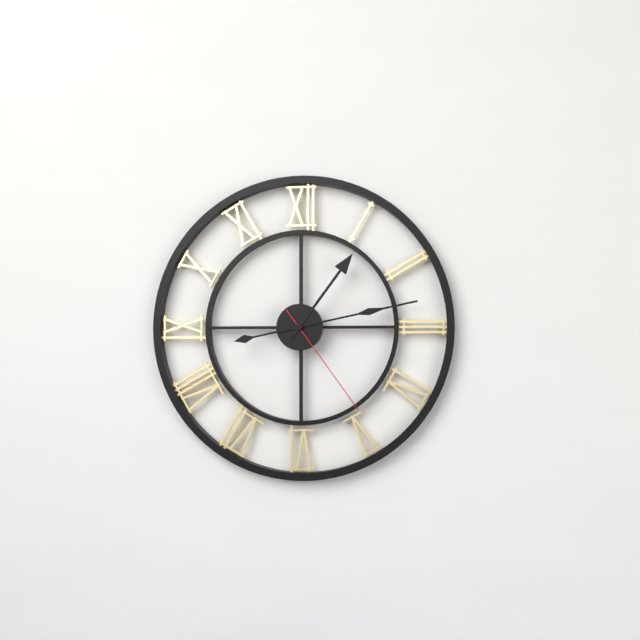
h=1 m=13 s=24
